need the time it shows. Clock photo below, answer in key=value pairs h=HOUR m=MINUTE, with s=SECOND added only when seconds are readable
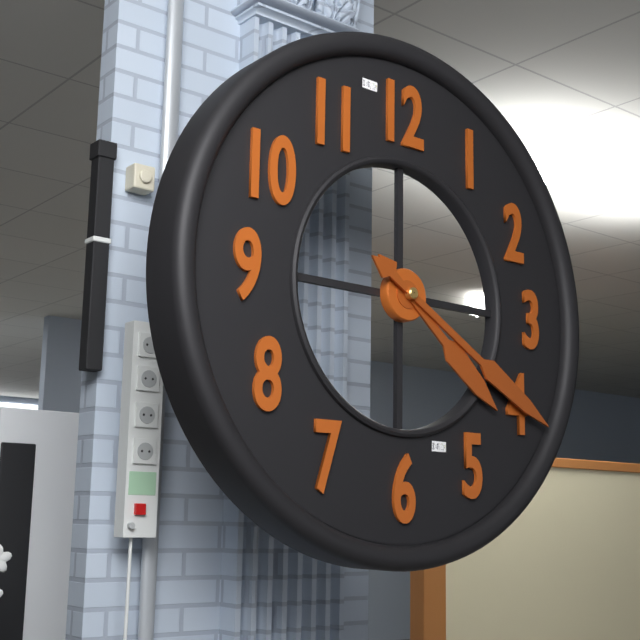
h=4 m=20
